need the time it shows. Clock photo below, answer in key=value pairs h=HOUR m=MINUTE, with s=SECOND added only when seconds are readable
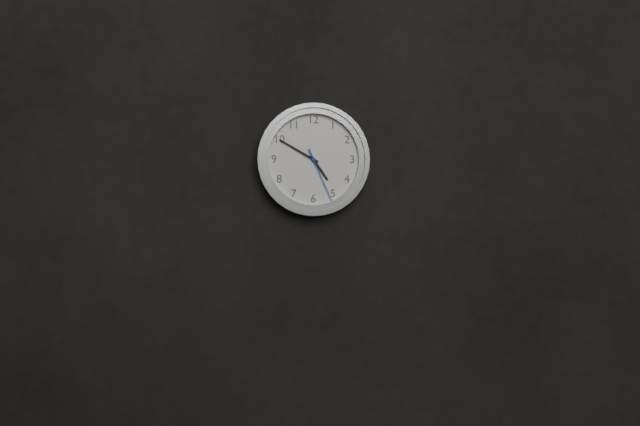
h=4 m=50 s=26
